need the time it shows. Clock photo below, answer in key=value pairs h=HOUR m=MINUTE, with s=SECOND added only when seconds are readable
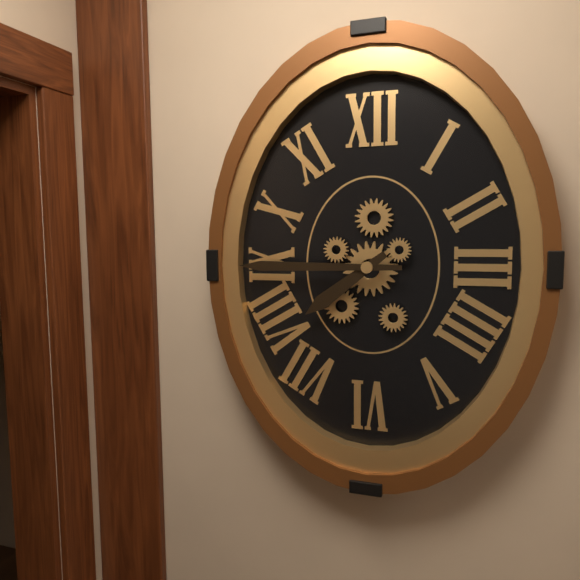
h=7 m=45
